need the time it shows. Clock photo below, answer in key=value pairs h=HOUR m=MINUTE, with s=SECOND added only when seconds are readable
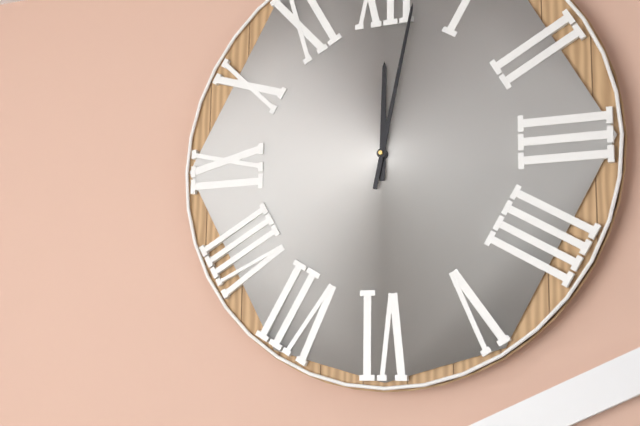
h=12 m=2
